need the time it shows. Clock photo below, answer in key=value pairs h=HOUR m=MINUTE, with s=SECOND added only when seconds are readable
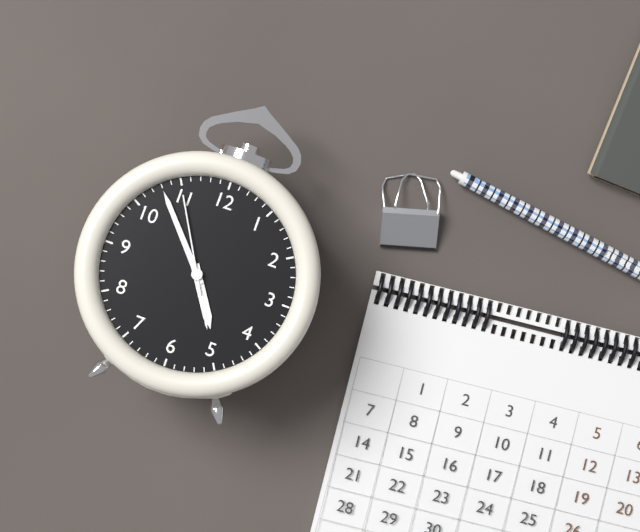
h=4 m=53 s=55
